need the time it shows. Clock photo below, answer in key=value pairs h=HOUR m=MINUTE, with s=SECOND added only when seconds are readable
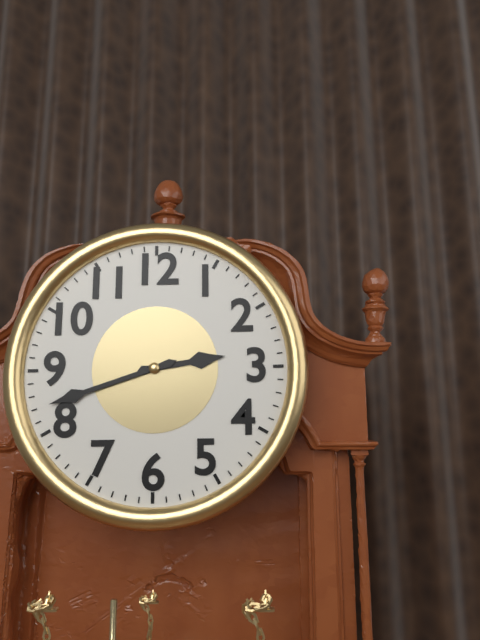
h=2 m=42
